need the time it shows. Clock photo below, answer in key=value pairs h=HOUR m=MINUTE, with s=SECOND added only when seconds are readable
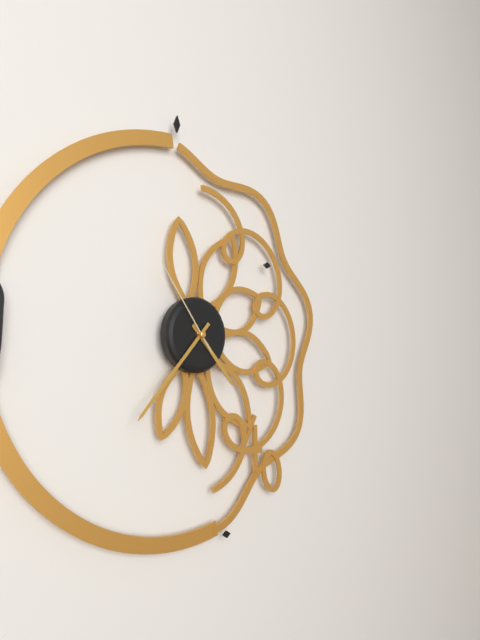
h=4 m=37 s=54
